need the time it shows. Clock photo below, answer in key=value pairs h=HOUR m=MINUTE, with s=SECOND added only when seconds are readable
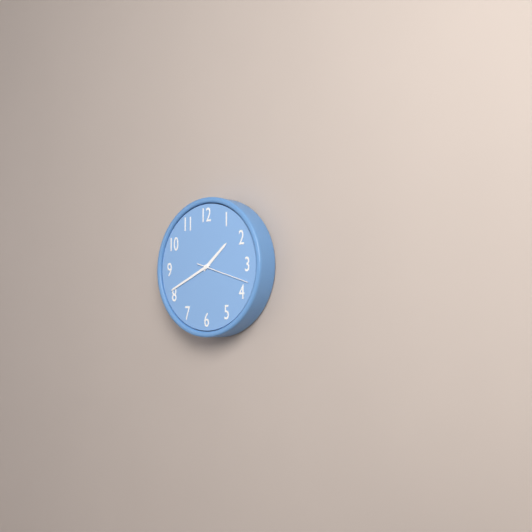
h=1 m=41 s=18
